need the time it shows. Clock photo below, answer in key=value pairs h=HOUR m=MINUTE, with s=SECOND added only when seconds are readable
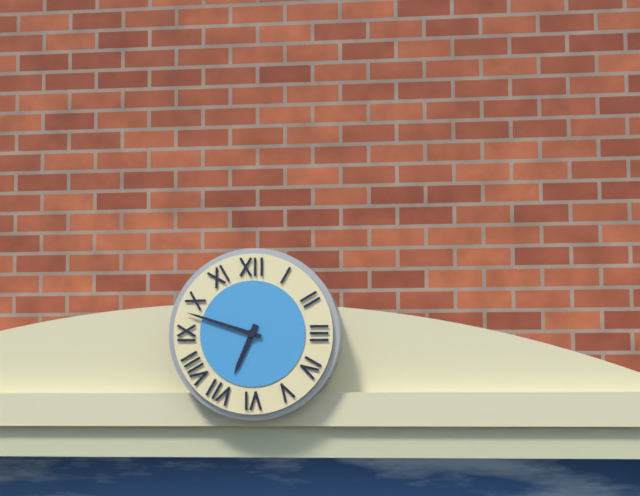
h=6 m=48
